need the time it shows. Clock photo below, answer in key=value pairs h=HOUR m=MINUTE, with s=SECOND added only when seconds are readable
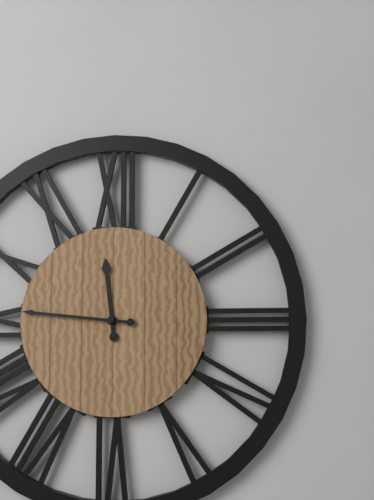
h=11 m=46
